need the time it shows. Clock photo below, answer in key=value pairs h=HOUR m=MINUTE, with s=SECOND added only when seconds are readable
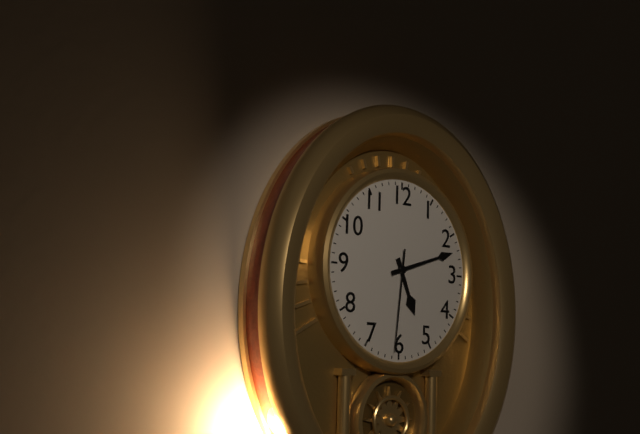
h=5 m=12 s=31
